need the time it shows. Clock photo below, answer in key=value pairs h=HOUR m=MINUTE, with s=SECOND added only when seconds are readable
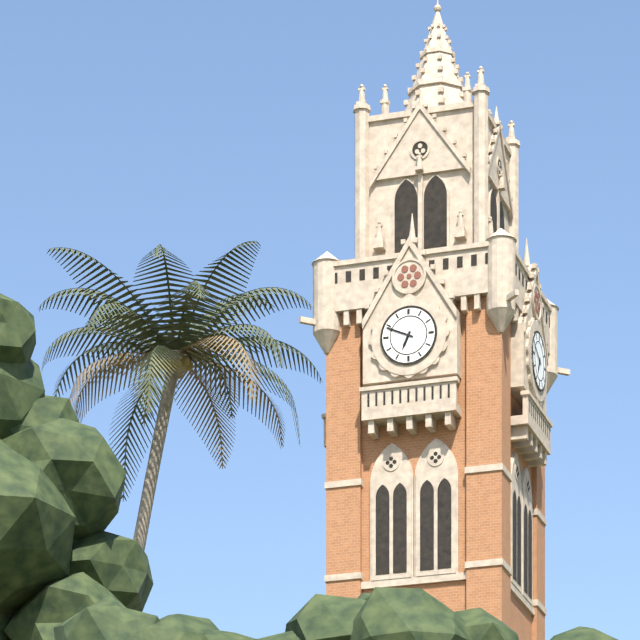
h=6 m=49
